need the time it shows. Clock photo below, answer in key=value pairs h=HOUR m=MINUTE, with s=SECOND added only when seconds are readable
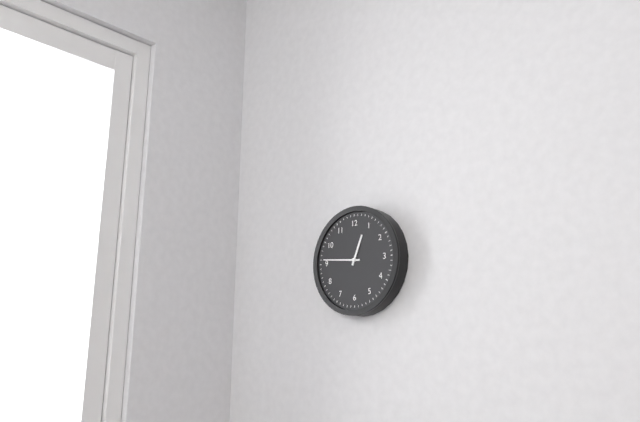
h=12 m=46
